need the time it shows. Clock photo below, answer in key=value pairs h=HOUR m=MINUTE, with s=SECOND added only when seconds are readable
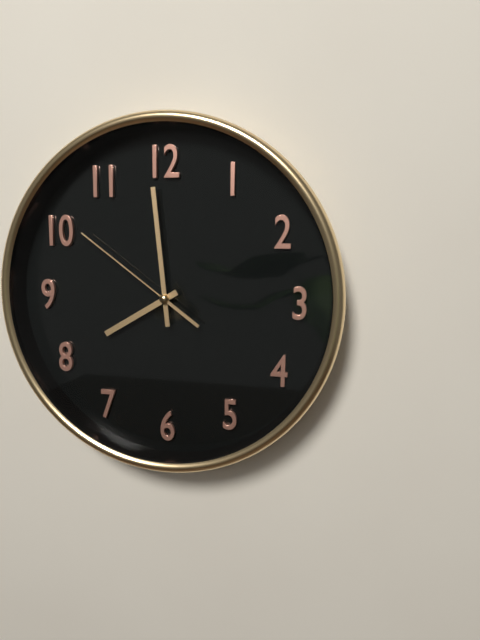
h=7 m=59 s=51
